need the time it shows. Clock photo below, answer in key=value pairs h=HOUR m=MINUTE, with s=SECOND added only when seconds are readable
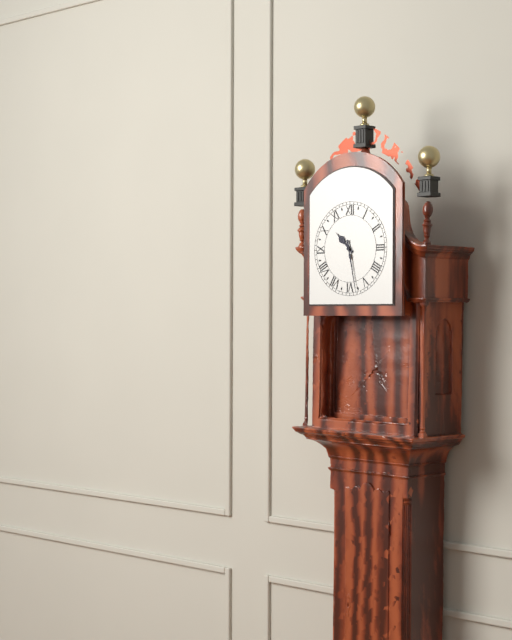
h=10 m=28
